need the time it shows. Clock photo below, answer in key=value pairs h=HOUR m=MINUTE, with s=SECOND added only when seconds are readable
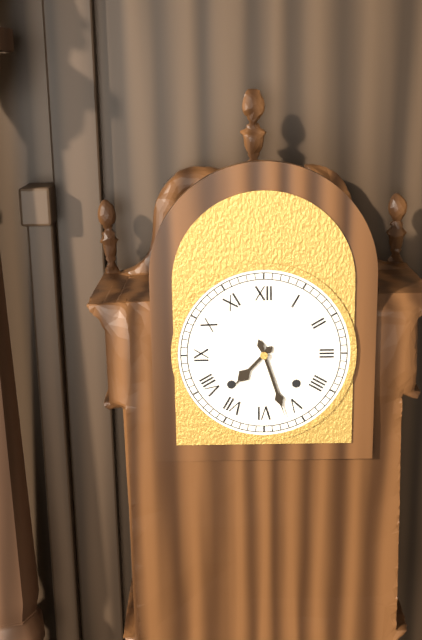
h=7 m=27
